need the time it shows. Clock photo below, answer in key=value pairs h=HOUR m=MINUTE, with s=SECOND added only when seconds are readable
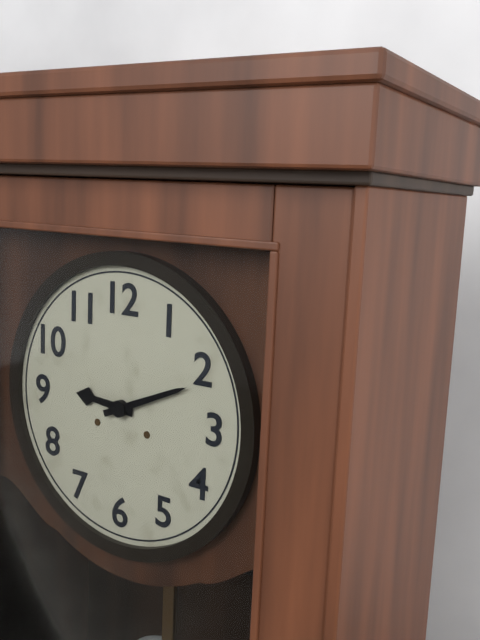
h=9 m=11
